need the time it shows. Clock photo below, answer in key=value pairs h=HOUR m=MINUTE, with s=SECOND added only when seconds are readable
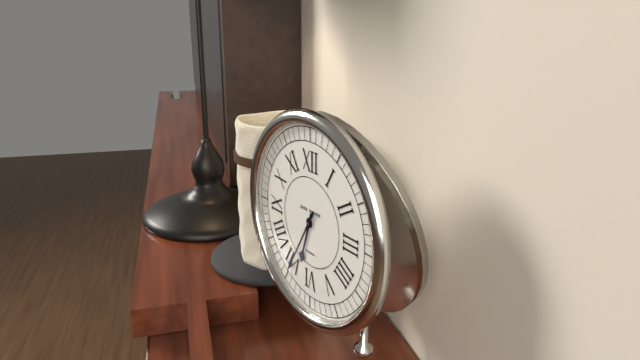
h=6 m=35
